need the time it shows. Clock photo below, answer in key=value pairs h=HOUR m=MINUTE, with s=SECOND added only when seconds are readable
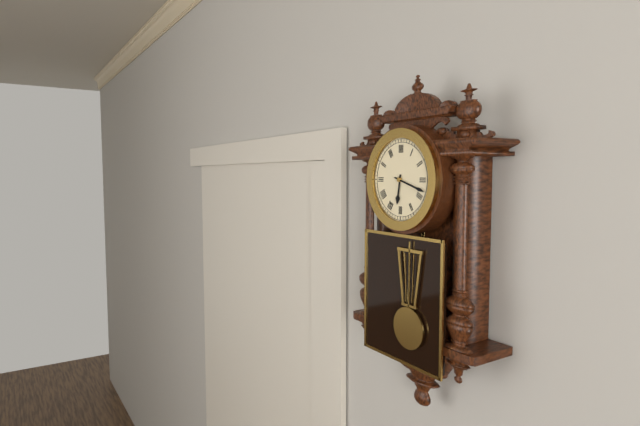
h=6 m=18
